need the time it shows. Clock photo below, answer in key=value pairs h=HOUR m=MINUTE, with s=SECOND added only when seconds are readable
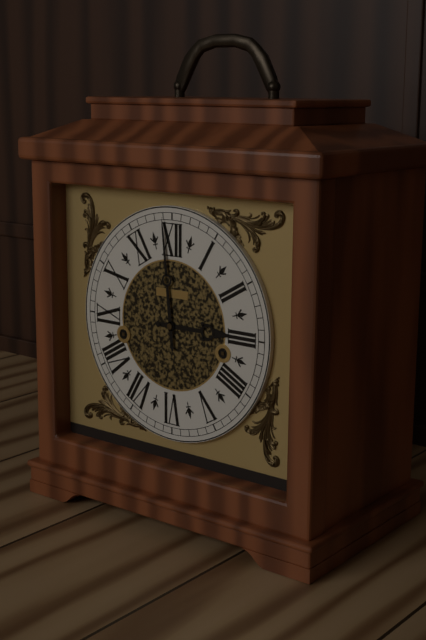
h=2 m=59
